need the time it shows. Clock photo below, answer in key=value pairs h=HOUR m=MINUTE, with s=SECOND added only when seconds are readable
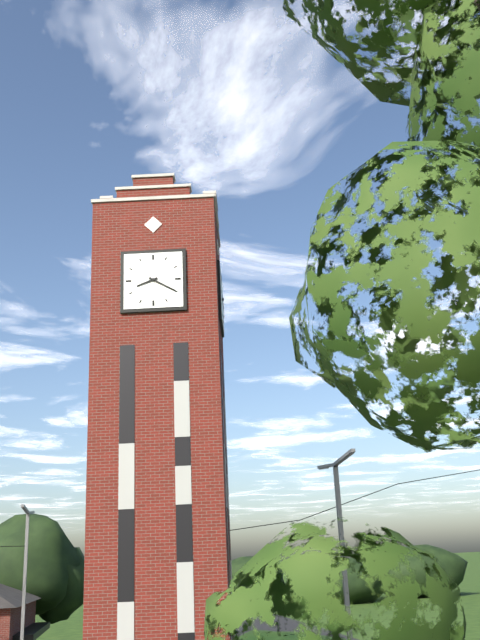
h=8 m=20
